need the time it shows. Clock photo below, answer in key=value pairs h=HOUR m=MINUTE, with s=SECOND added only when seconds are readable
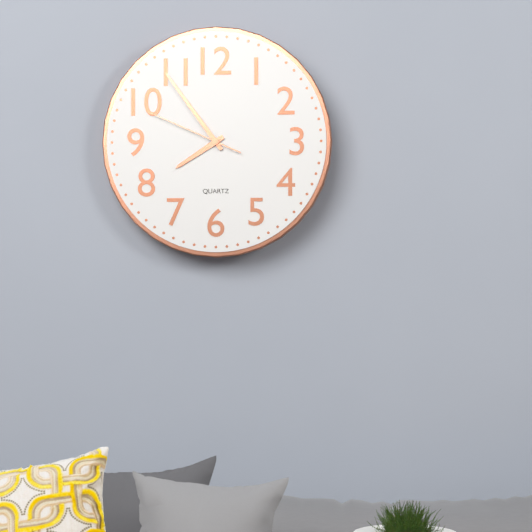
h=7 m=54 s=49
